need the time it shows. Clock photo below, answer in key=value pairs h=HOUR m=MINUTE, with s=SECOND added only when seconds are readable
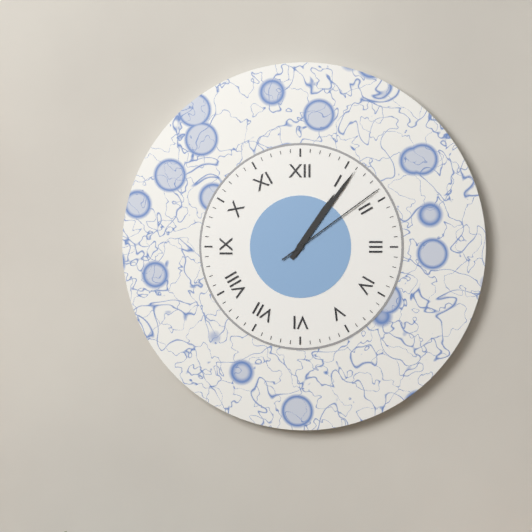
h=1 m=6 s=9
